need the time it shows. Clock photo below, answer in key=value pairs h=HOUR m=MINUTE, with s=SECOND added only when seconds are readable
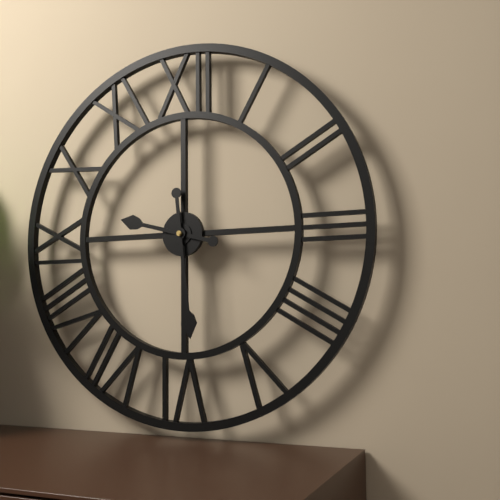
h=9 m=29
